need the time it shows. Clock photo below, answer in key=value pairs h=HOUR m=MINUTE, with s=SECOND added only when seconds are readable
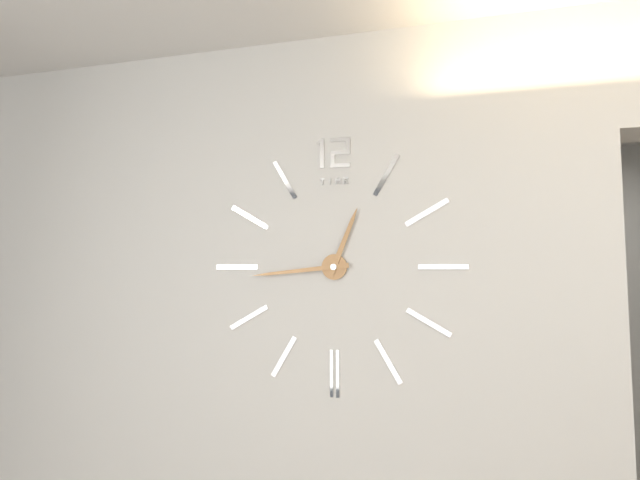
h=12 m=44
